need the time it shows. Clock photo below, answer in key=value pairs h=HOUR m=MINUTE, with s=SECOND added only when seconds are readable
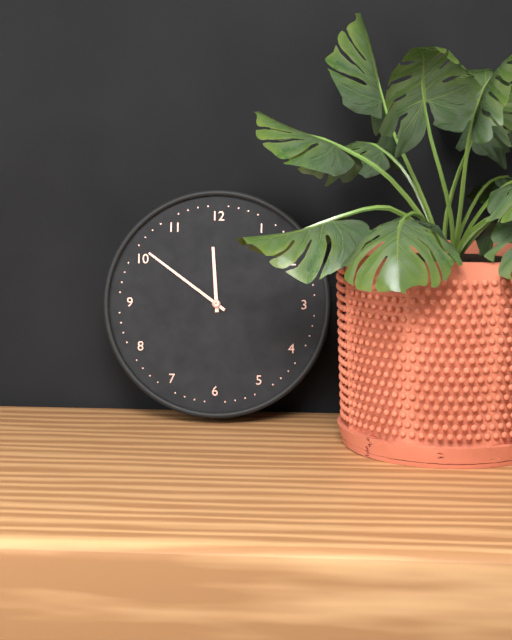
h=11 m=51
